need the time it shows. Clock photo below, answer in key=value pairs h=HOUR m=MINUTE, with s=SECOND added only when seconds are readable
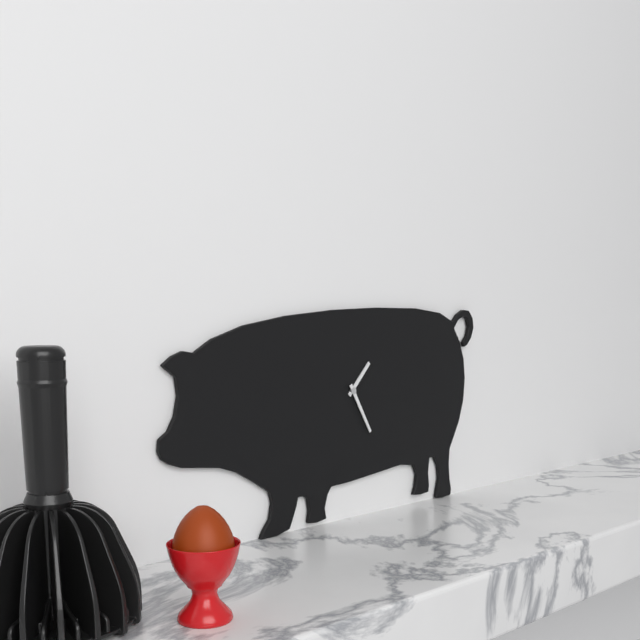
h=1 m=25
